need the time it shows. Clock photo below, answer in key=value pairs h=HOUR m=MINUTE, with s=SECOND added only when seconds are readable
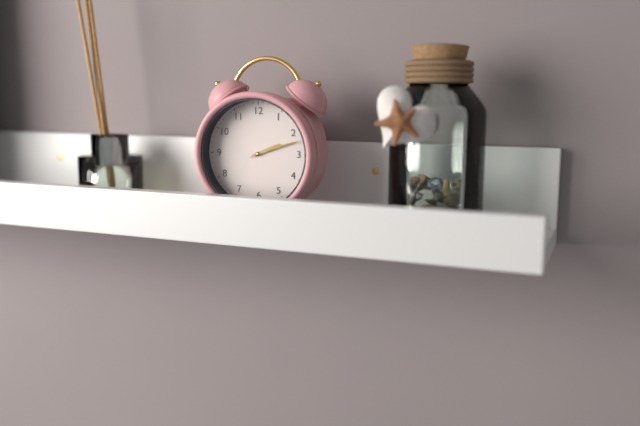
h=2 m=12 s=12
